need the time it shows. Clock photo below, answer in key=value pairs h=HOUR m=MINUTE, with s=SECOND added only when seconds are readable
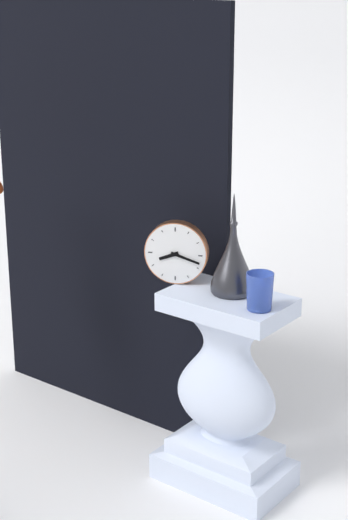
h=8 m=18
